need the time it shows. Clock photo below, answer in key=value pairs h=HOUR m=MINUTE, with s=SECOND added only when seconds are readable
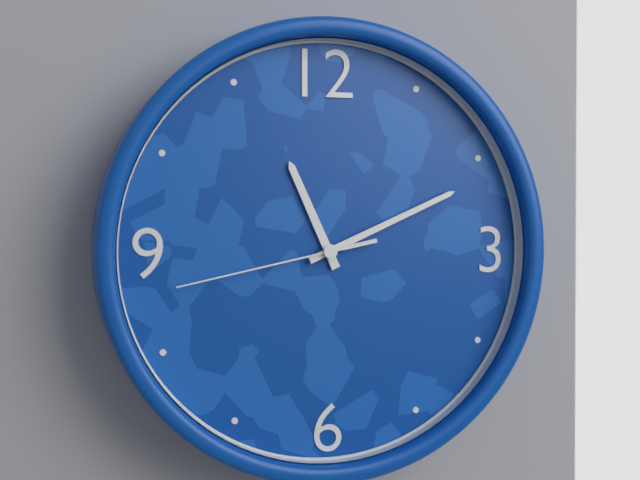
h=11 m=11 s=43
